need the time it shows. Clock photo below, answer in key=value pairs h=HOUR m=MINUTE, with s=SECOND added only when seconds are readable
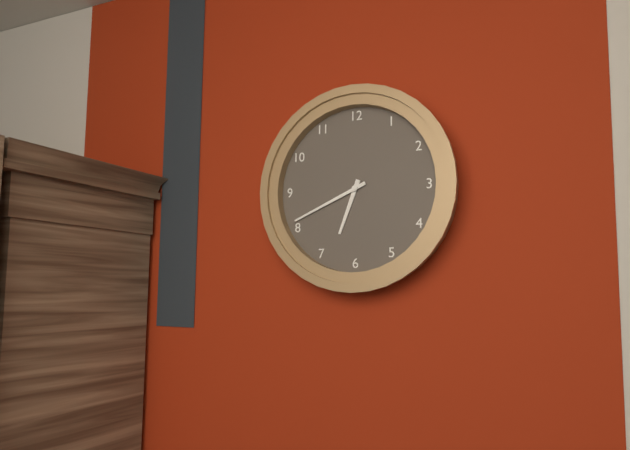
h=6 m=41
